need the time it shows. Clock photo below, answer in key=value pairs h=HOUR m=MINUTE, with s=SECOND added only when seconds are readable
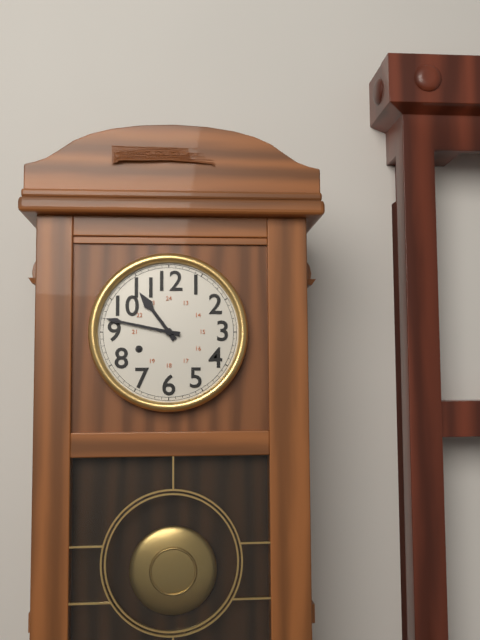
h=10 m=47
